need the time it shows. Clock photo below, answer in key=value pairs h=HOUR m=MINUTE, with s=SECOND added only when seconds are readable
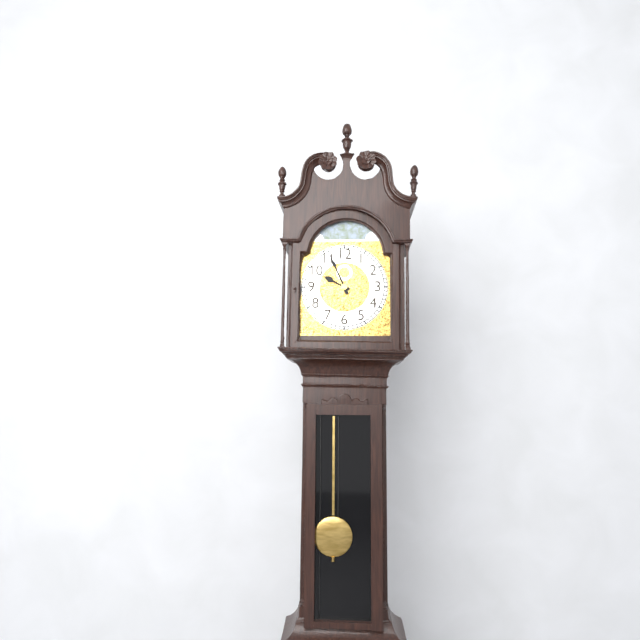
h=9 m=56
